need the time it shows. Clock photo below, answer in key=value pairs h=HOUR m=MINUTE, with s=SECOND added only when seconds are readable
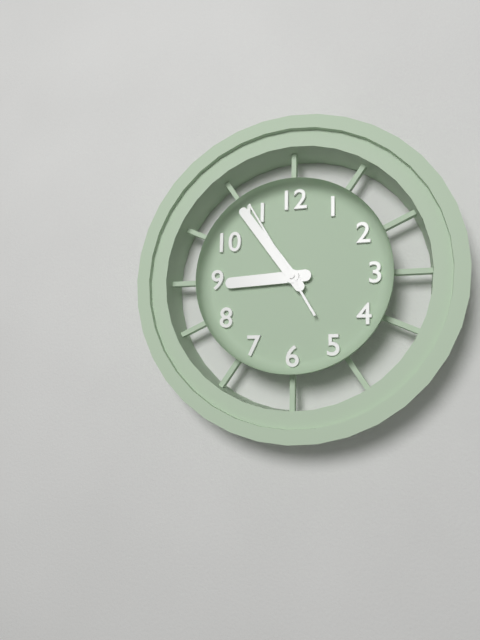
h=8 m=54 s=55
